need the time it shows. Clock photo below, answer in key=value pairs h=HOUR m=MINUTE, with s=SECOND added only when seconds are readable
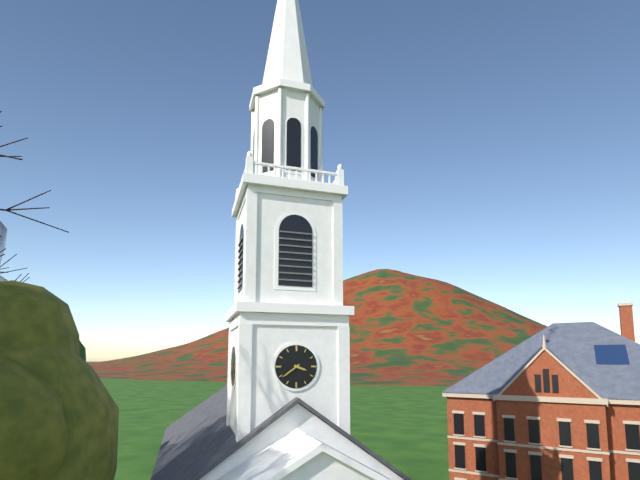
h=3 m=39
